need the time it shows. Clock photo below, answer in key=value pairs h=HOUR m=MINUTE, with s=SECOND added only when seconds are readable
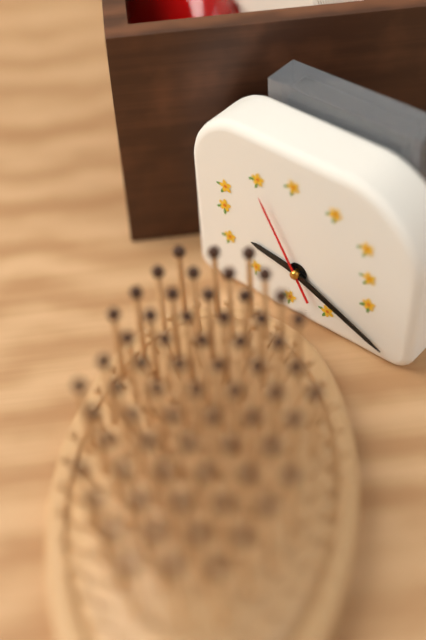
h=9 m=19 s=55
